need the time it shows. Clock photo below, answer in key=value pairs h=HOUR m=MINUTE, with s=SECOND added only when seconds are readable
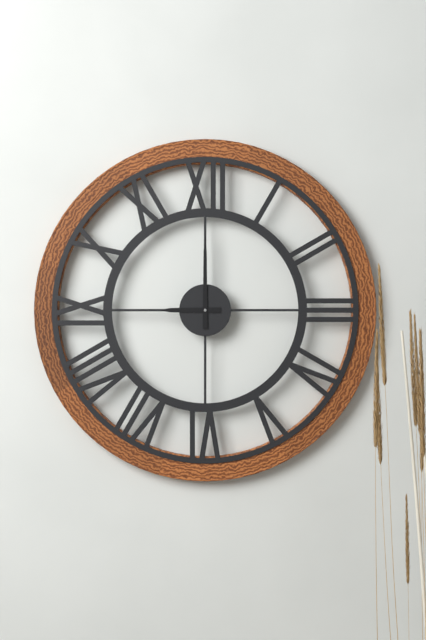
h=9 m=0
